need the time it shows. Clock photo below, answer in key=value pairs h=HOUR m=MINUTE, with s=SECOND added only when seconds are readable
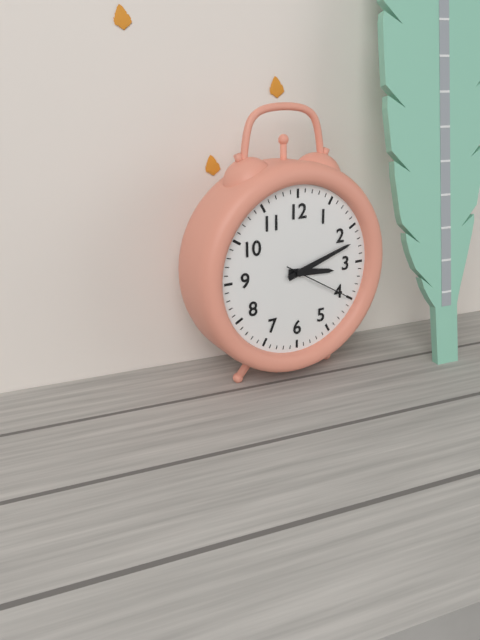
h=3 m=12 s=20
